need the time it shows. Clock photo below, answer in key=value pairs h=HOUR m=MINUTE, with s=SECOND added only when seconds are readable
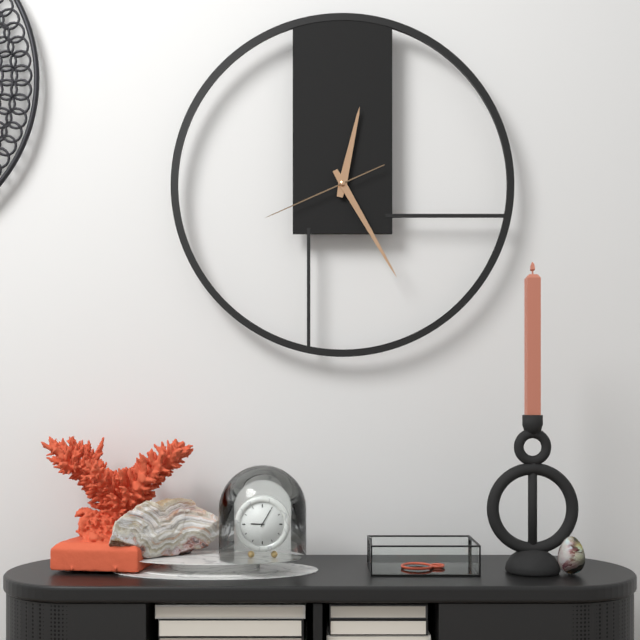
h=12 m=25 s=41
